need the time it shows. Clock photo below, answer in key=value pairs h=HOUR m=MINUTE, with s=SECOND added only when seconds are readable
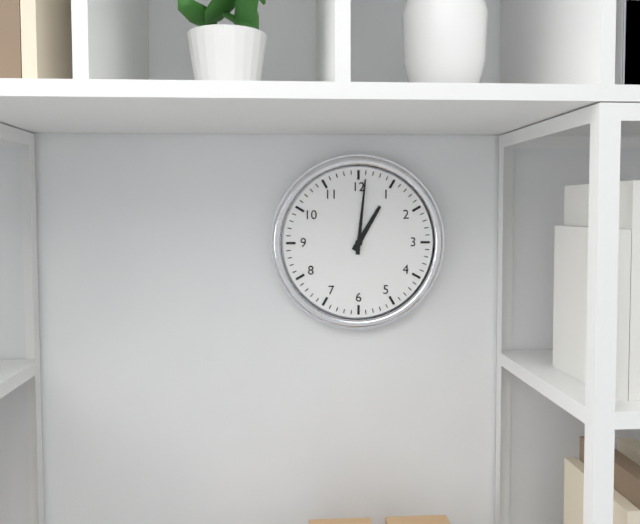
h=1 m=1
